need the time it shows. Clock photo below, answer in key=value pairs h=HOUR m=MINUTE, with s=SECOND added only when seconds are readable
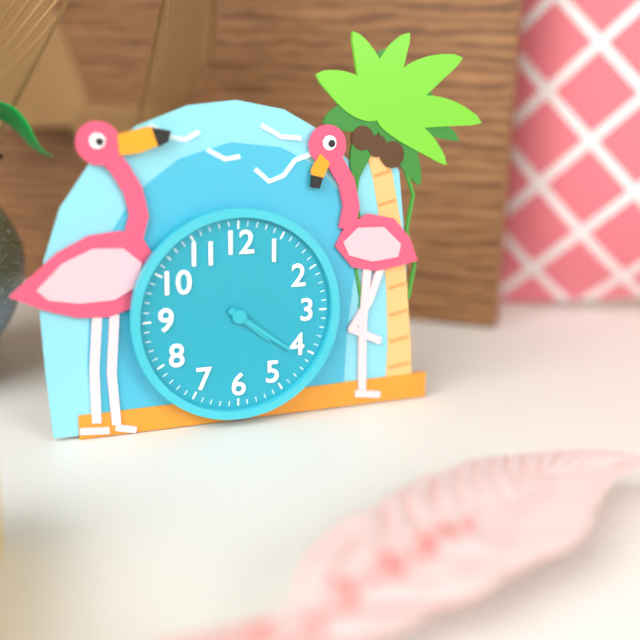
h=4 m=21
